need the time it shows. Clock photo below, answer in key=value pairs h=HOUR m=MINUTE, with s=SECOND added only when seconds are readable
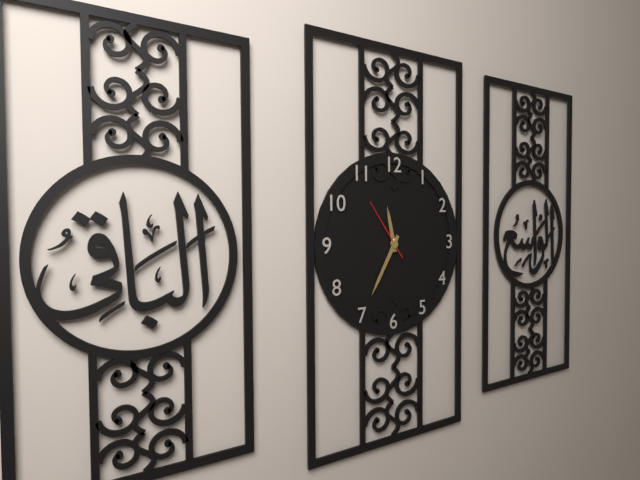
h=11 m=35 s=54
